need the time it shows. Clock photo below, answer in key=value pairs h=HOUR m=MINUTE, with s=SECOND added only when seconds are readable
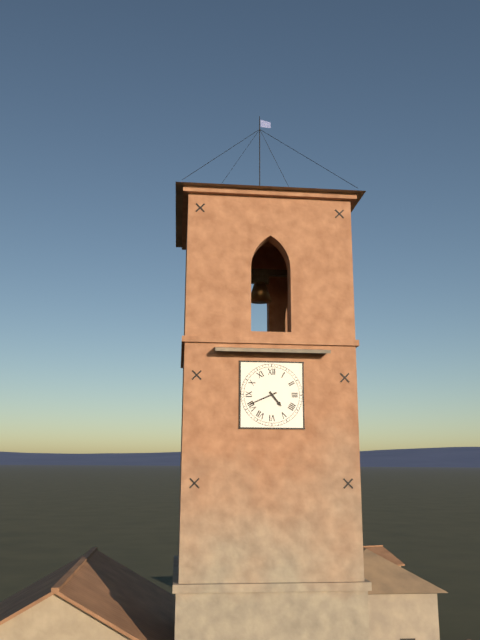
h=4 m=41
